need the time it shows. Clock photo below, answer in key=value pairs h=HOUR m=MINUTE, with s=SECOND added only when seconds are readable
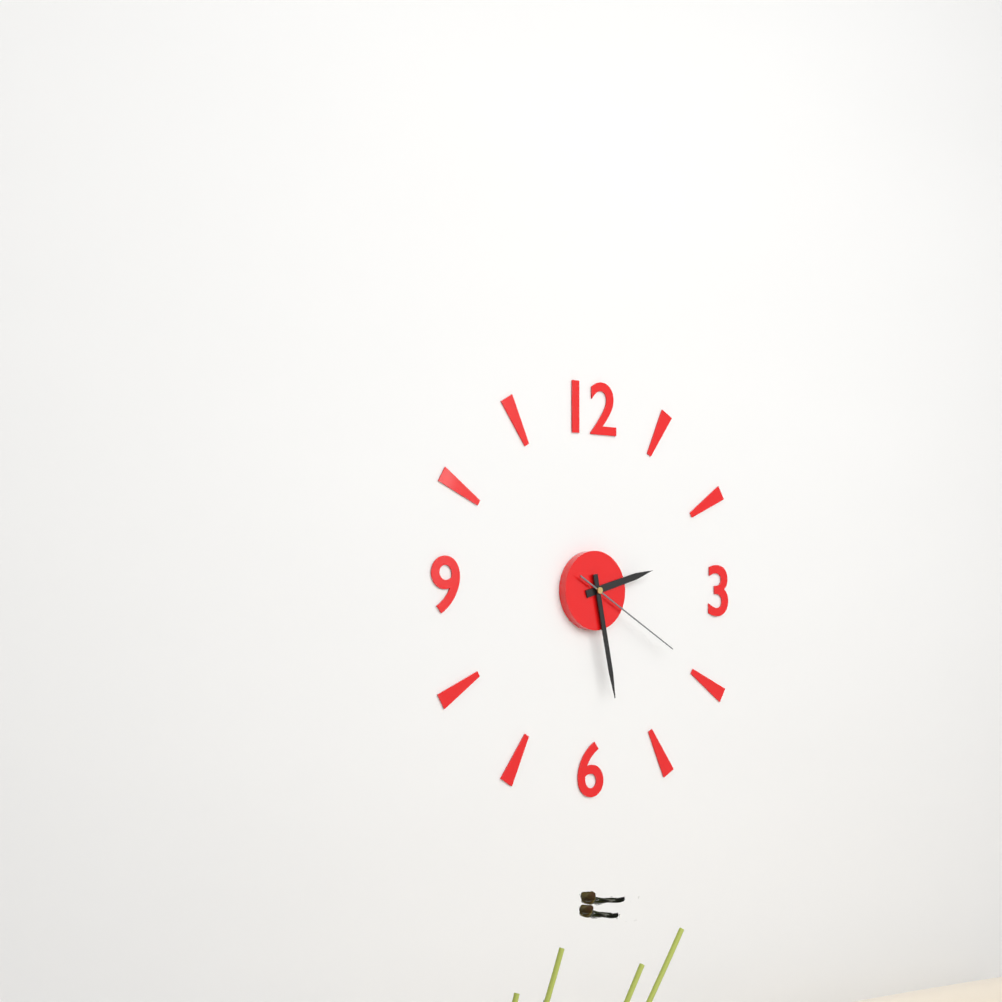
h=2 m=28 s=20
